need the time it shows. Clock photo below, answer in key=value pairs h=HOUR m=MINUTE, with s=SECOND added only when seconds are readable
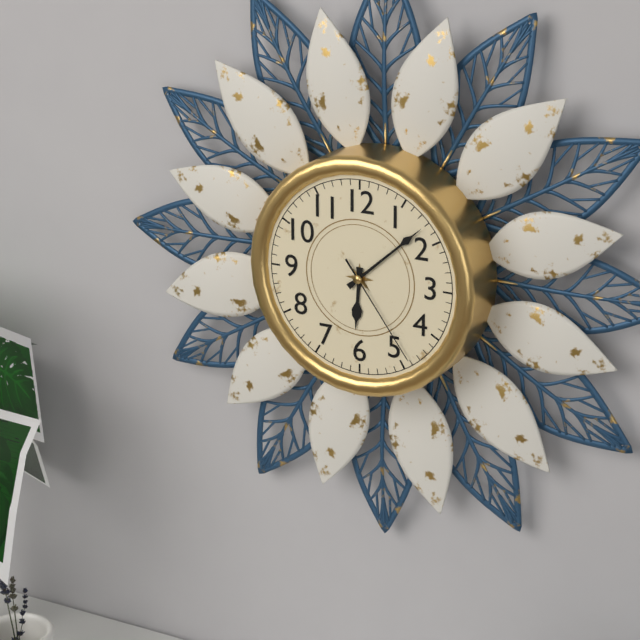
h=6 m=8 s=24
